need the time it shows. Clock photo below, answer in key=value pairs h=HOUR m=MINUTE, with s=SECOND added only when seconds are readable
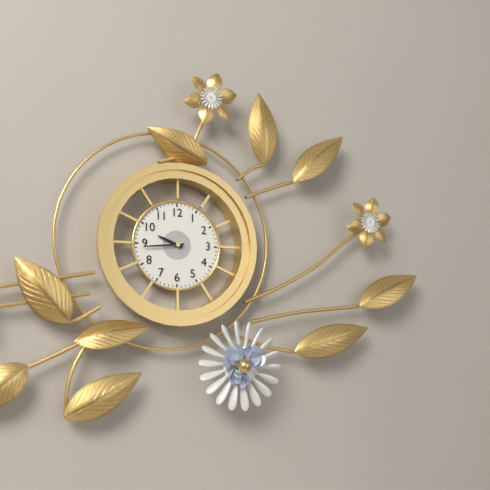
h=9 m=44
